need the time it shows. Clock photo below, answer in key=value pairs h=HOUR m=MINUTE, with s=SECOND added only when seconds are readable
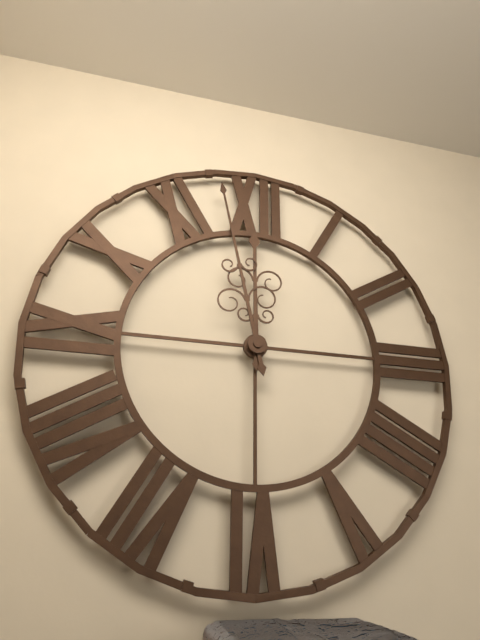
h=11 m=58
